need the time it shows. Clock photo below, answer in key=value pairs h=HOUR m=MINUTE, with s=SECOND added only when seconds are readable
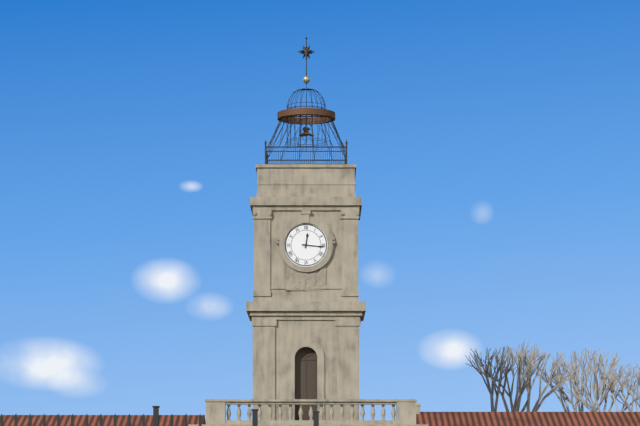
h=12 m=16
